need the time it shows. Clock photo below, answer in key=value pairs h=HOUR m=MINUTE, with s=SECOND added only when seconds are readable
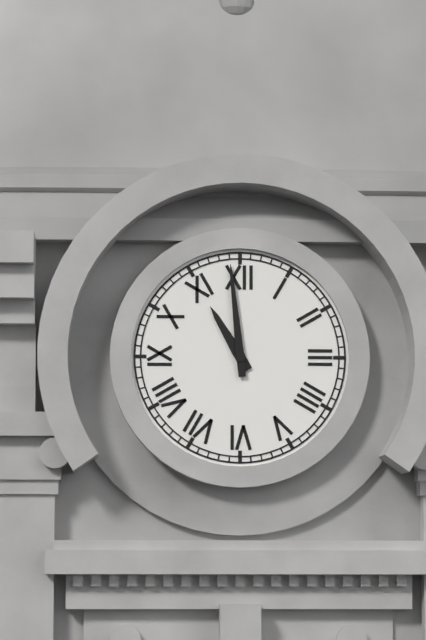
h=10 m=59
